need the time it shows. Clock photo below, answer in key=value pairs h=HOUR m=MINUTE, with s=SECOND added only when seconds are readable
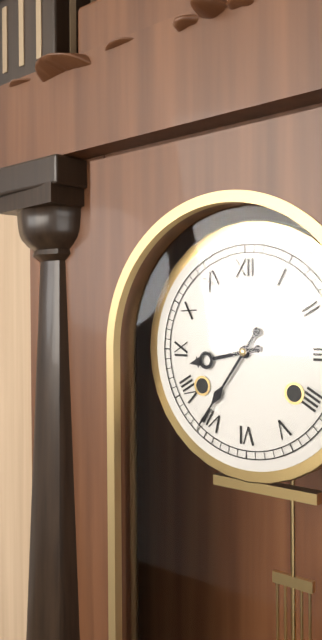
h=8 m=36
